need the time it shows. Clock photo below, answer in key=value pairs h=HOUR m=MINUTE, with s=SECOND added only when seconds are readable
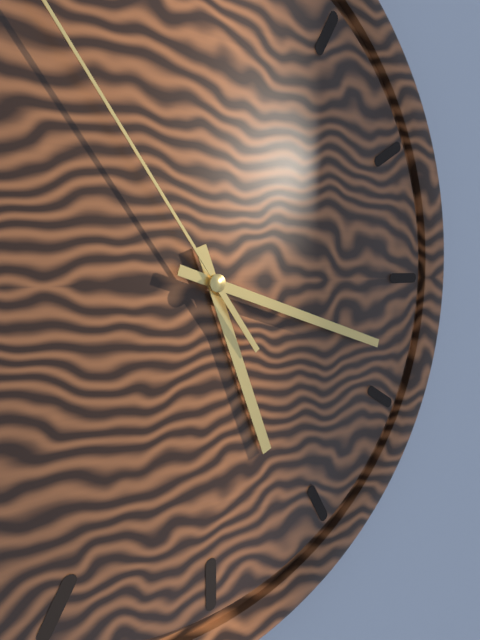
h=5 m=18
